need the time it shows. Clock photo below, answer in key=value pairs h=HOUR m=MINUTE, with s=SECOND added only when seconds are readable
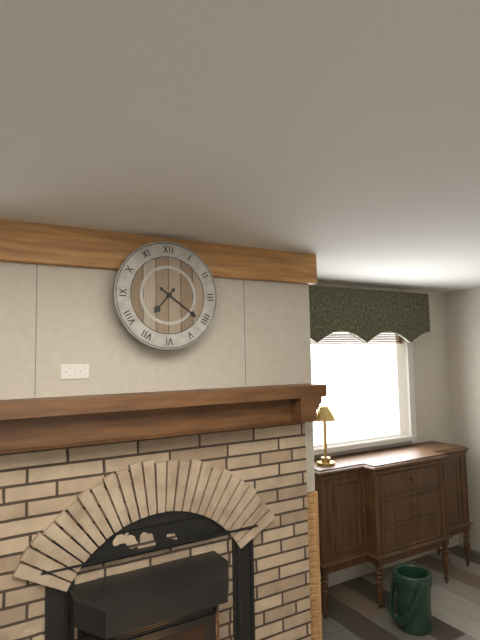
h=7 m=21
